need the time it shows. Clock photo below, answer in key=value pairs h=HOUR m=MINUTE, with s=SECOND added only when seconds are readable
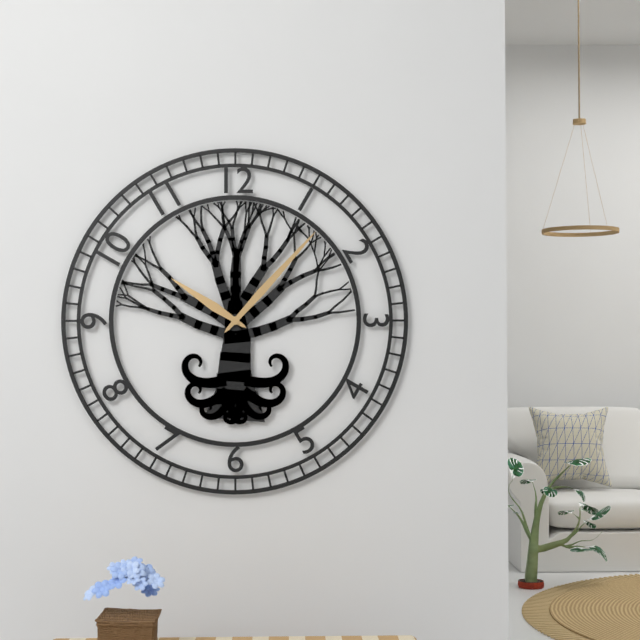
h=10 m=7
